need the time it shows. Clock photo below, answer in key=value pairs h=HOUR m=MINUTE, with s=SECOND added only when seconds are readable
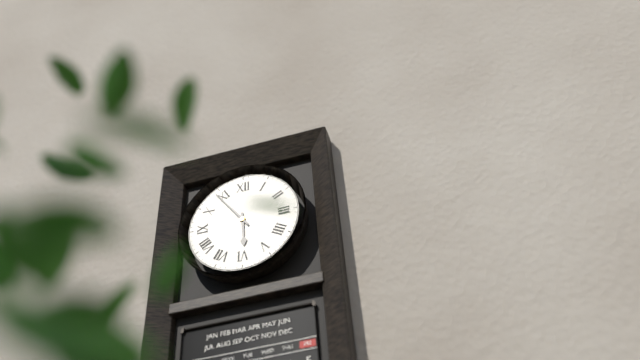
h=5 m=54
